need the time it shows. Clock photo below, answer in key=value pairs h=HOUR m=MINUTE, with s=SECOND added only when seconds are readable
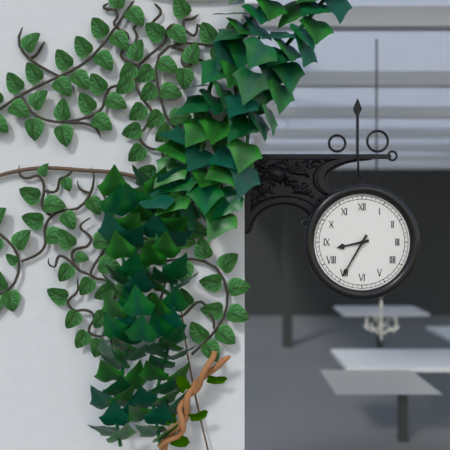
h=8 m=35
